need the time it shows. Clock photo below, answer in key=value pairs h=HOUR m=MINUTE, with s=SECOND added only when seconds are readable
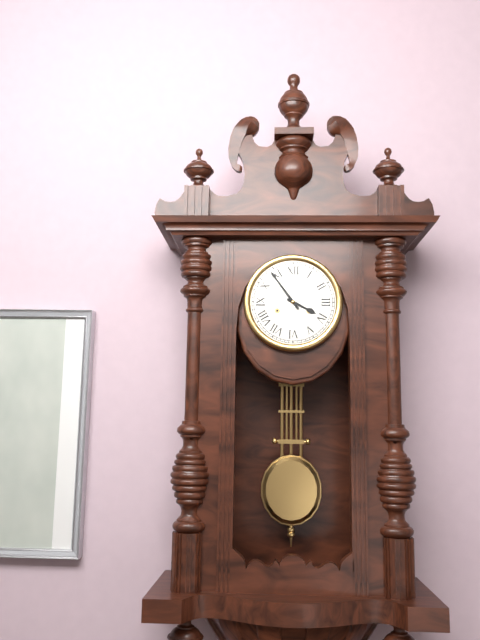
h=3 m=54
